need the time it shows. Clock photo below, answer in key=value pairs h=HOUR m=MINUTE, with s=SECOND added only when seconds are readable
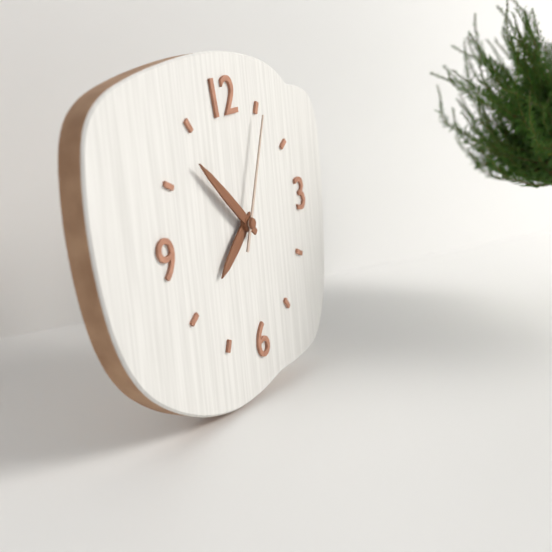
h=7 m=53 s=5
